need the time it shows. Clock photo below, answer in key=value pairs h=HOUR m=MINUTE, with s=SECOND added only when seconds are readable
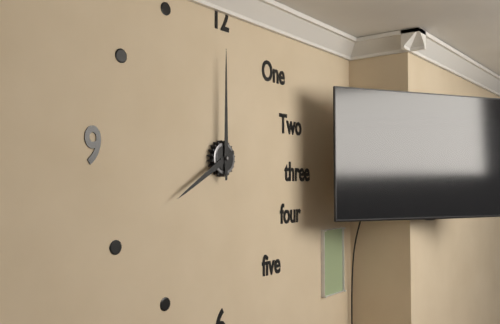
h=8 m=0
